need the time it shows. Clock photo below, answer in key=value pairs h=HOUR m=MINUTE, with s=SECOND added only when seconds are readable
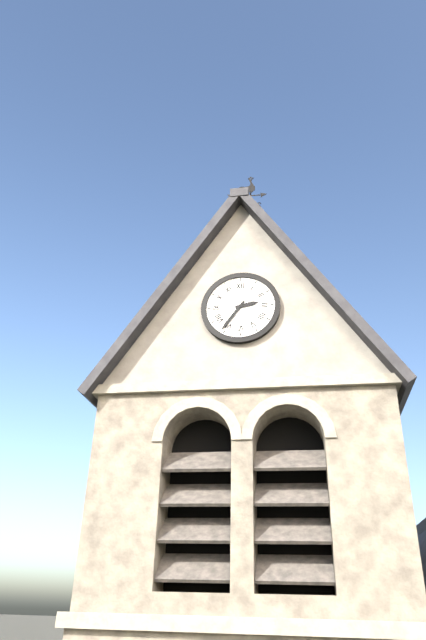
h=2 m=36
